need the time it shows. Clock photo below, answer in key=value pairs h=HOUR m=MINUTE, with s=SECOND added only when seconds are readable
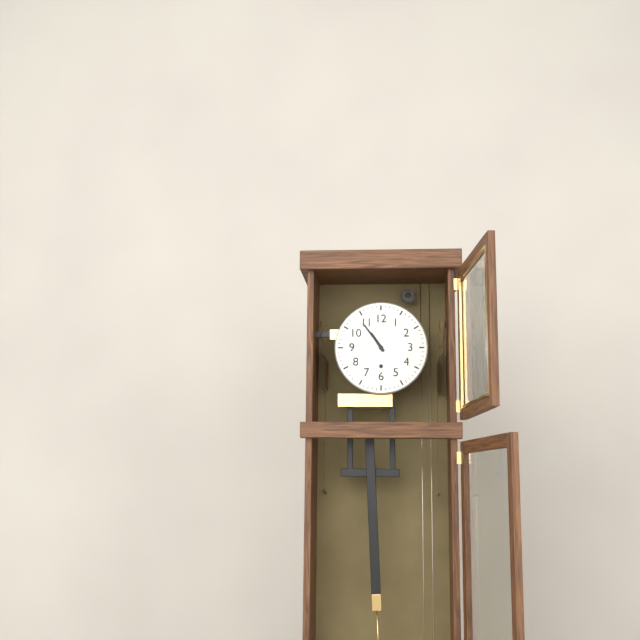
h=10 m=54
